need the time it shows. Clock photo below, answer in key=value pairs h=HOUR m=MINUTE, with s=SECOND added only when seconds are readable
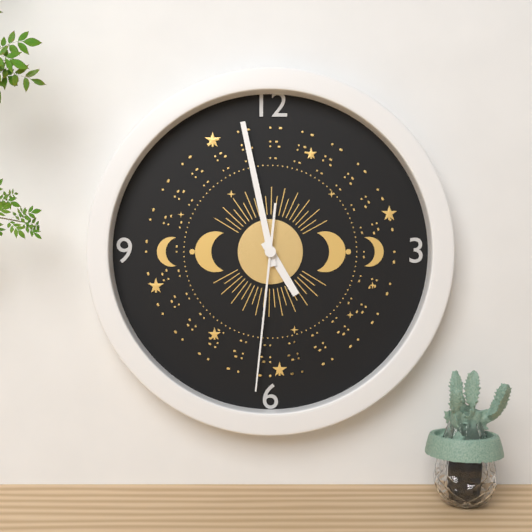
h=4 m=58 s=31
